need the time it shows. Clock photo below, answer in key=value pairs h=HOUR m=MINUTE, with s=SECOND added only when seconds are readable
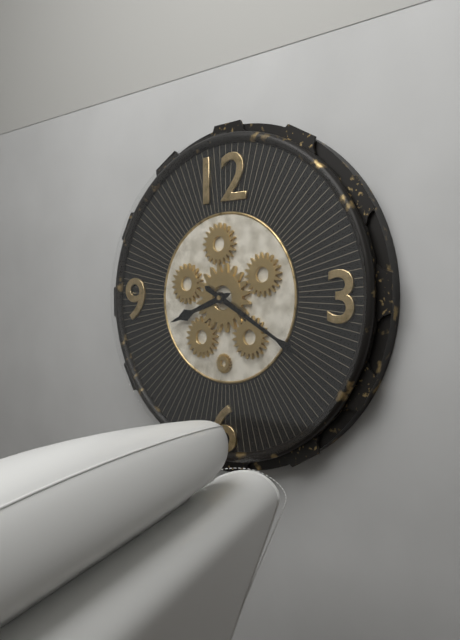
h=8 m=20
